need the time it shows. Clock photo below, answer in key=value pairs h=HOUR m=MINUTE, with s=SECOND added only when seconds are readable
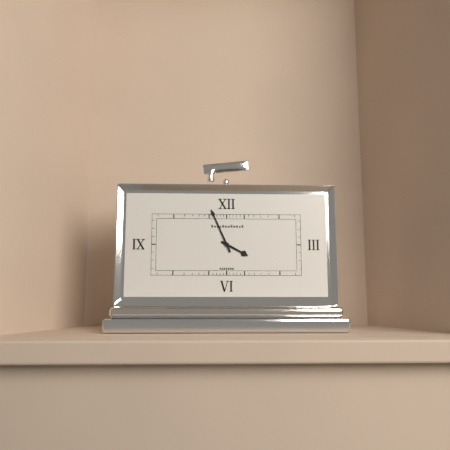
h=3 m=56
